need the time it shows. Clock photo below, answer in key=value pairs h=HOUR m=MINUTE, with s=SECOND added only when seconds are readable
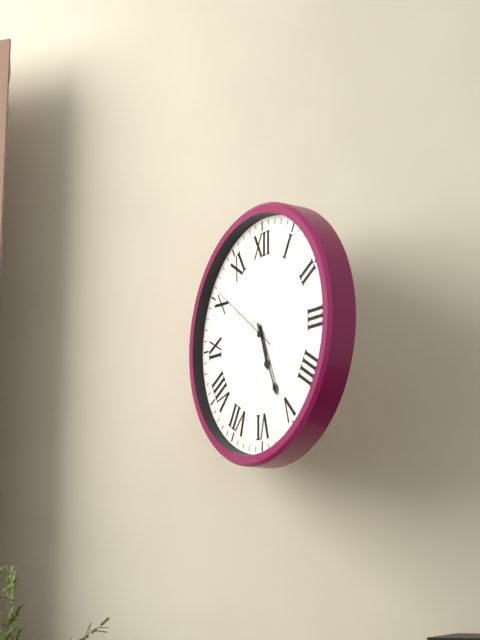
h=5 m=26 s=51
